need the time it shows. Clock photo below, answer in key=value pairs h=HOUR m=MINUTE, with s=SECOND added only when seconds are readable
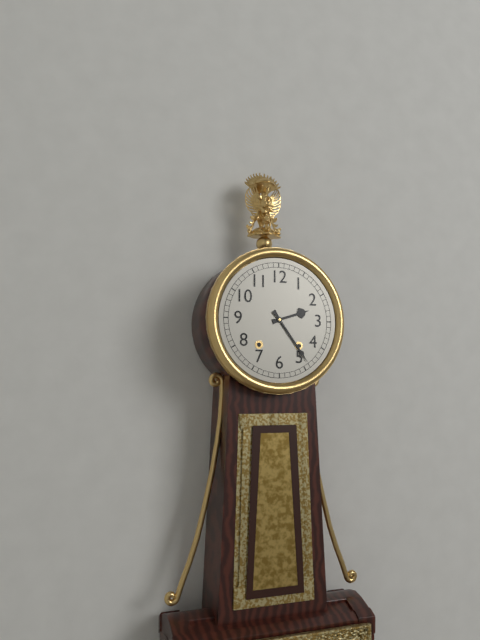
h=2 m=24
